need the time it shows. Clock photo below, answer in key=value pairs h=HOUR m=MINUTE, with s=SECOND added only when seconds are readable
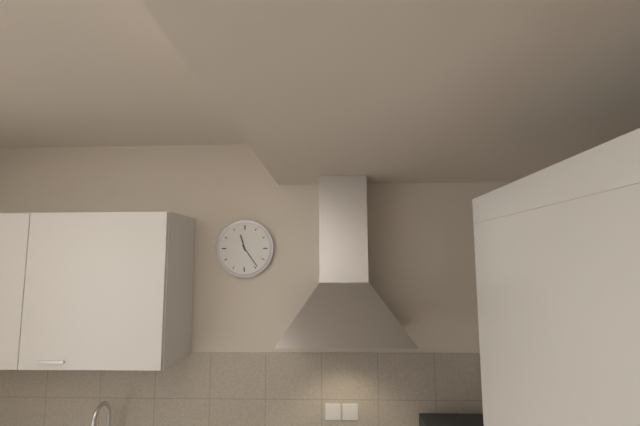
h=11 m=24
